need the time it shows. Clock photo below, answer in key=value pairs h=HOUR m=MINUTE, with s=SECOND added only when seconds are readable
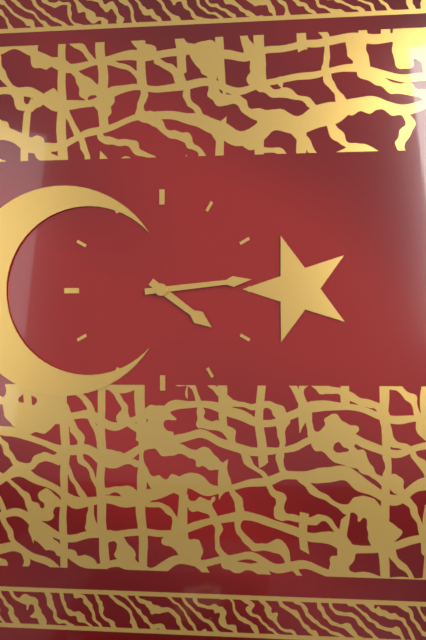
h=4 m=14
